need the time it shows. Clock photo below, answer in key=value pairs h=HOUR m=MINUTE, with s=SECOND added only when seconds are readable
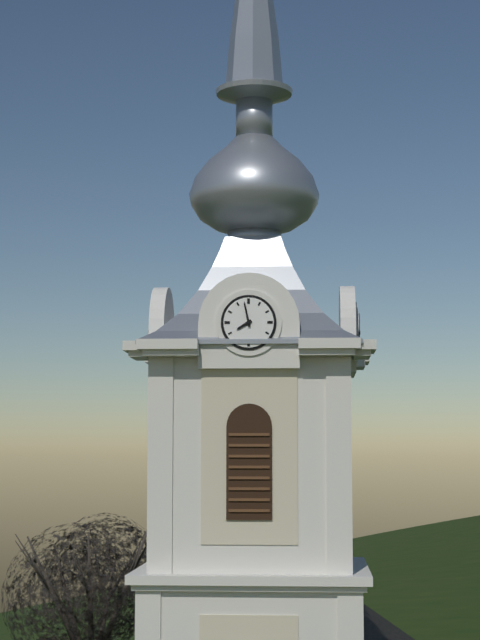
h=7 m=58
